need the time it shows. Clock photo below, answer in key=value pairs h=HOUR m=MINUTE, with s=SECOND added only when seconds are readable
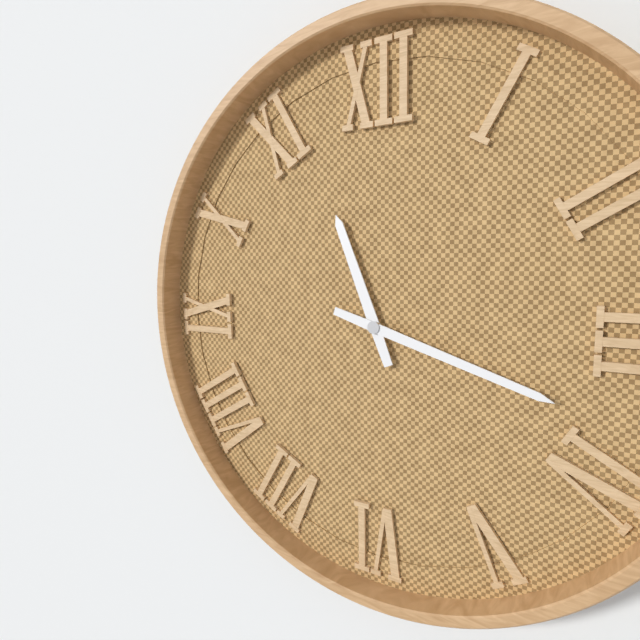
h=11 m=18
